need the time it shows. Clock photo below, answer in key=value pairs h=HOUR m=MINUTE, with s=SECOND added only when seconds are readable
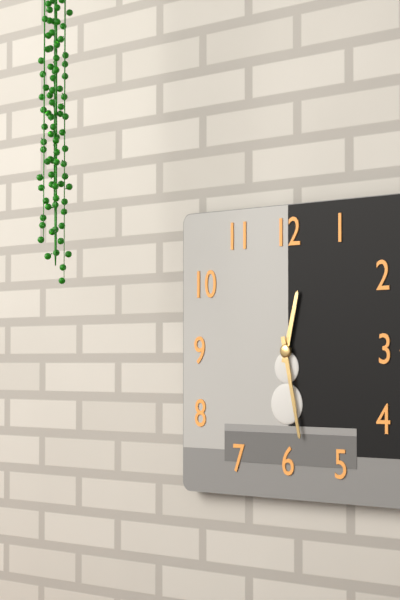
h=12 m=28
